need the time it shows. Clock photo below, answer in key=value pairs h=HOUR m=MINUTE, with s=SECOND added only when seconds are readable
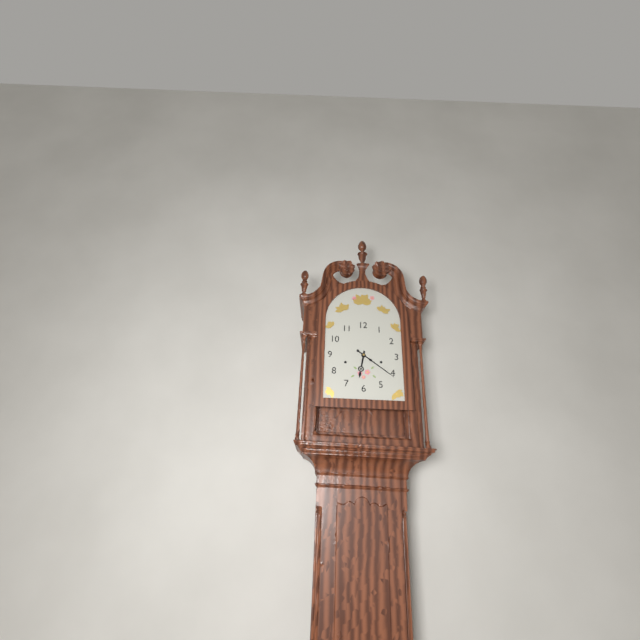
h=6 m=21
